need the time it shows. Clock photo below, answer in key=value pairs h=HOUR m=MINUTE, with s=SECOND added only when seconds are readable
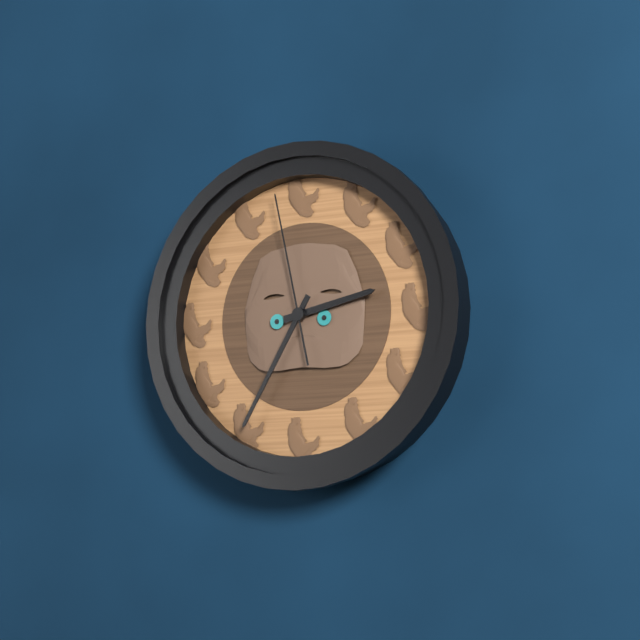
h=2 m=35 s=58
